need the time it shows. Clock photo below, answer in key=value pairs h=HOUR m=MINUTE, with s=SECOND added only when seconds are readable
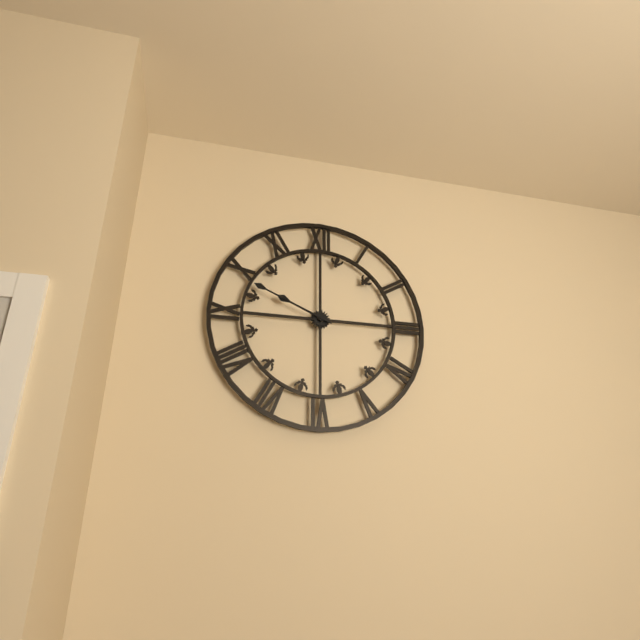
h=9 m=49
